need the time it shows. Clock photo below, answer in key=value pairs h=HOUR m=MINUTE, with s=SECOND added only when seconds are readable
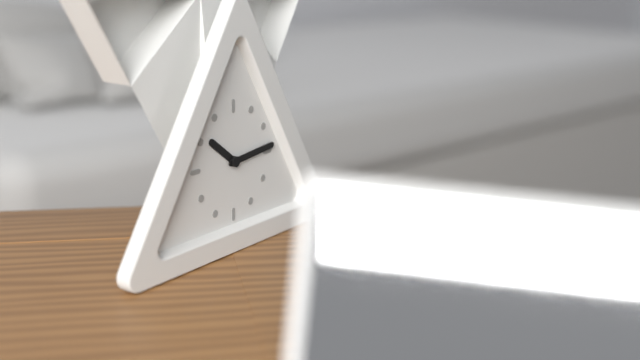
h=10 m=14
